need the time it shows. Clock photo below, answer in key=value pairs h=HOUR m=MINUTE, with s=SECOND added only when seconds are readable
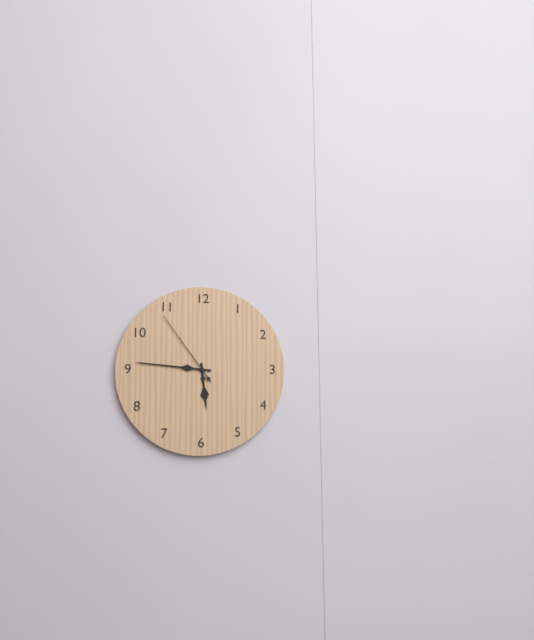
h=5 m=46 s=54
